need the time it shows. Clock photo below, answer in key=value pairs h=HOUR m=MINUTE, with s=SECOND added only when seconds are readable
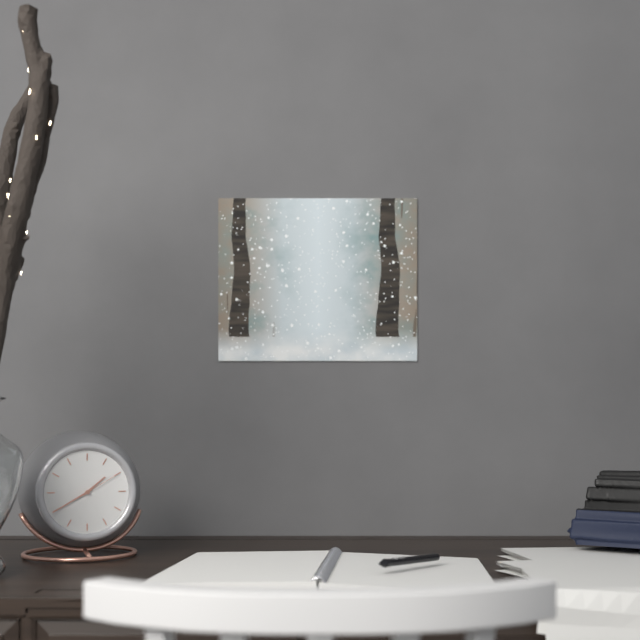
h=1 m=40
